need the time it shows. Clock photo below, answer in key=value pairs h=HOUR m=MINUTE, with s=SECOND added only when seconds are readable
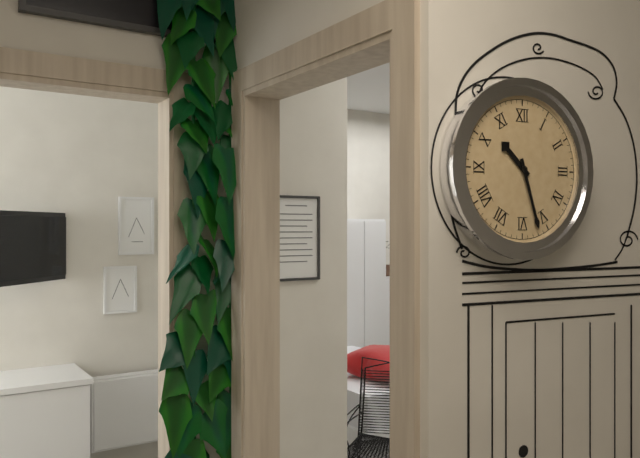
h=10 m=27
